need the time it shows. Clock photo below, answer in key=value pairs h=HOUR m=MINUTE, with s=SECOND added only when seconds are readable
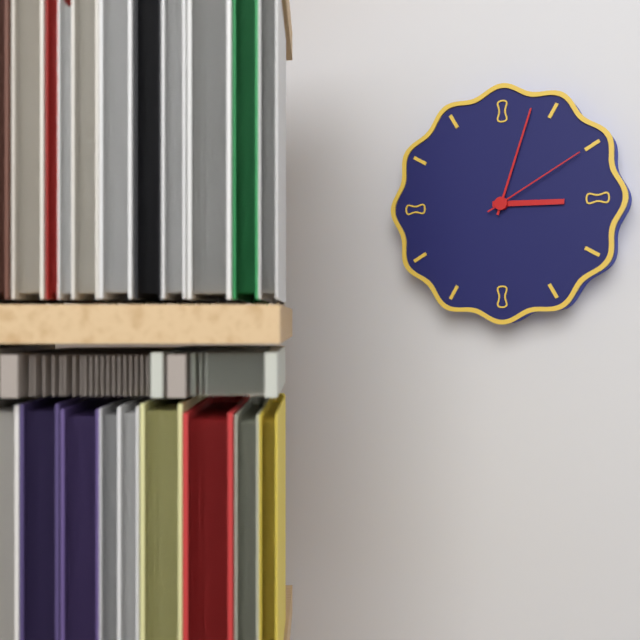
h=3 m=3 s=10
